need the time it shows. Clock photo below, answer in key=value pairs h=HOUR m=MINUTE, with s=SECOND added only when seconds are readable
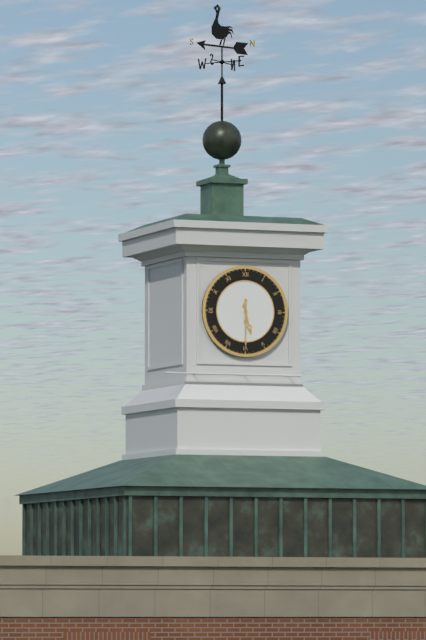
h=5 m=30
